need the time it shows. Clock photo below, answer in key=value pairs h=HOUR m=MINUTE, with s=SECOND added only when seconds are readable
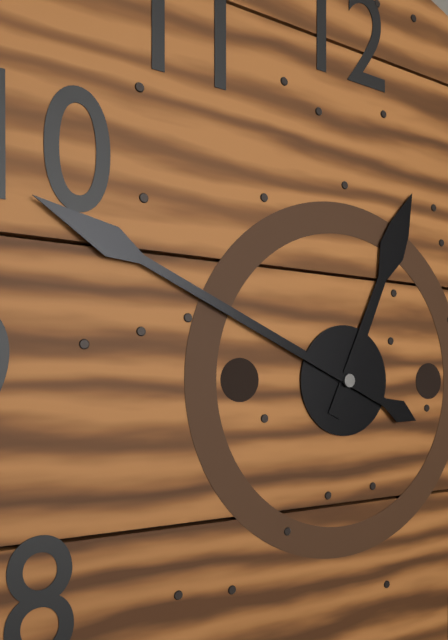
h=12 m=49
